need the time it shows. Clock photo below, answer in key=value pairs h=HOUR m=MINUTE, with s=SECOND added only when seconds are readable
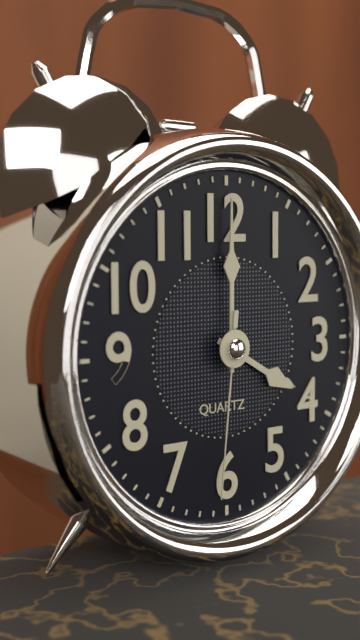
h=4 m=0 s=31
